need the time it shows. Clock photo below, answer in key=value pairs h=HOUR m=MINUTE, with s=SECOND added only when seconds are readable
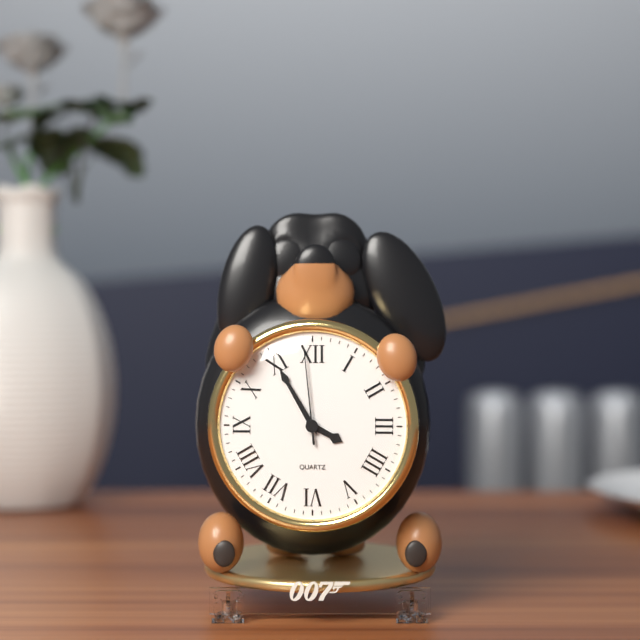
h=3 m=55 s=59
